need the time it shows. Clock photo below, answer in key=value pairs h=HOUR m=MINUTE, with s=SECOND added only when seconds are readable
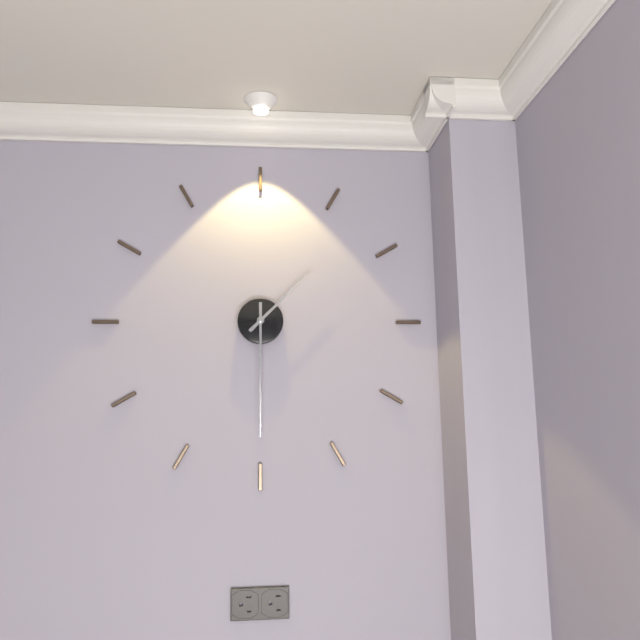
h=1 m=30
